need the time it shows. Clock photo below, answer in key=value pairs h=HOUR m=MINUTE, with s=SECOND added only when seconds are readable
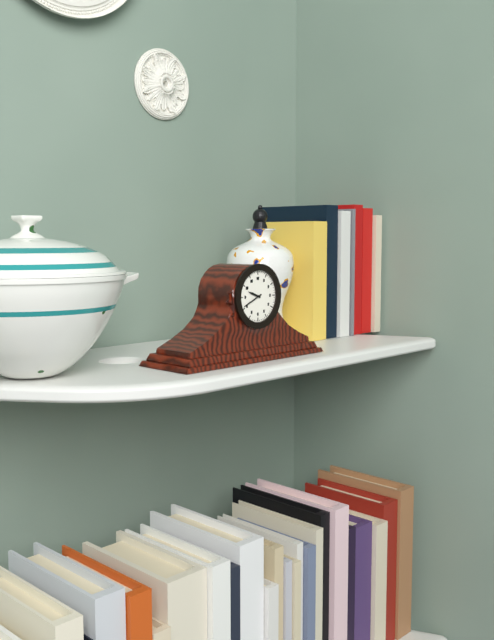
h=9 m=41
